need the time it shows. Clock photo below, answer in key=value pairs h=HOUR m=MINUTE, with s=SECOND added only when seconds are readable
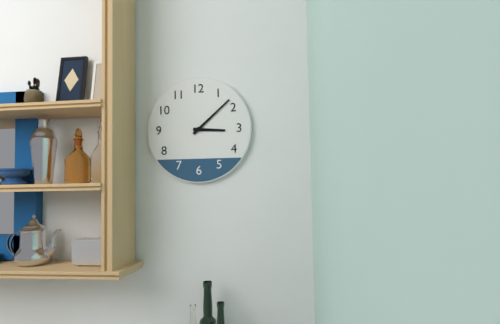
h=3 m=8
